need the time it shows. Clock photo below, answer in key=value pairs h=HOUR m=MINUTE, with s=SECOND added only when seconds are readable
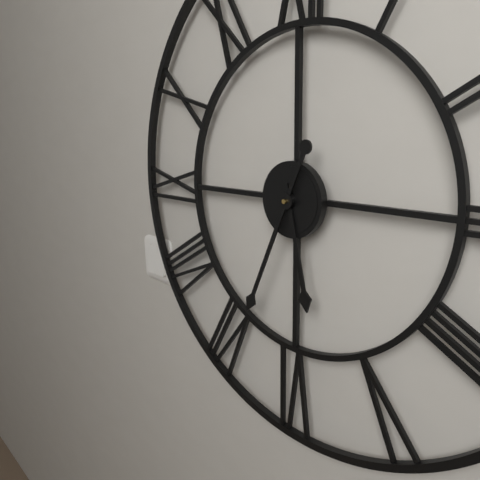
h=5 m=34
